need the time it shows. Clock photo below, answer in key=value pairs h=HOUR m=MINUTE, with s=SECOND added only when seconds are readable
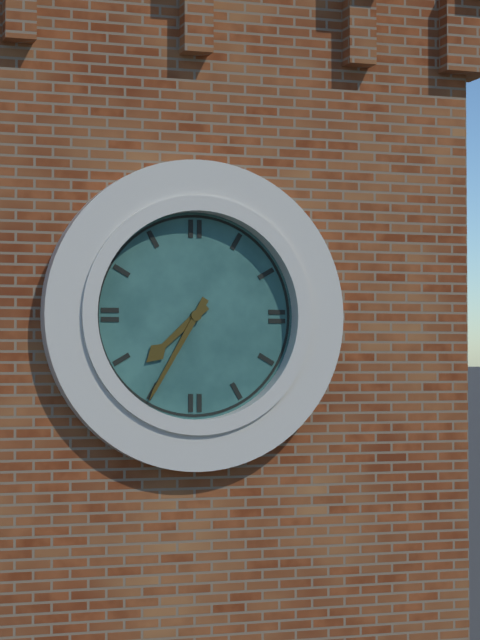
h=7 m=35
